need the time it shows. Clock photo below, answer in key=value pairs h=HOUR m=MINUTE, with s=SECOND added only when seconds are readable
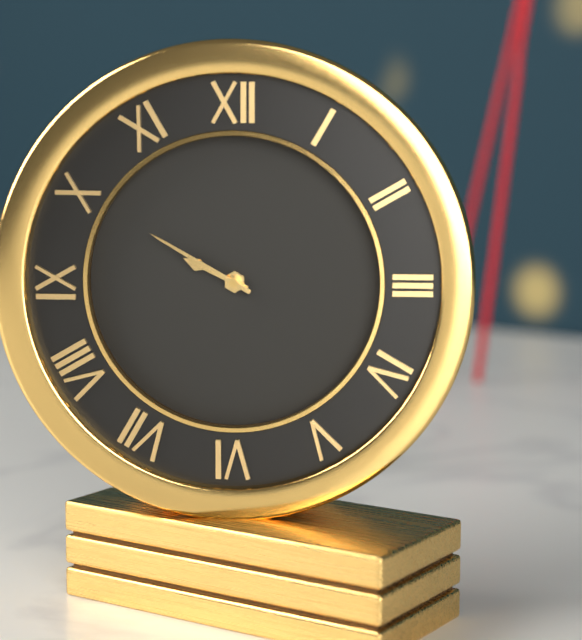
h=9 m=50
